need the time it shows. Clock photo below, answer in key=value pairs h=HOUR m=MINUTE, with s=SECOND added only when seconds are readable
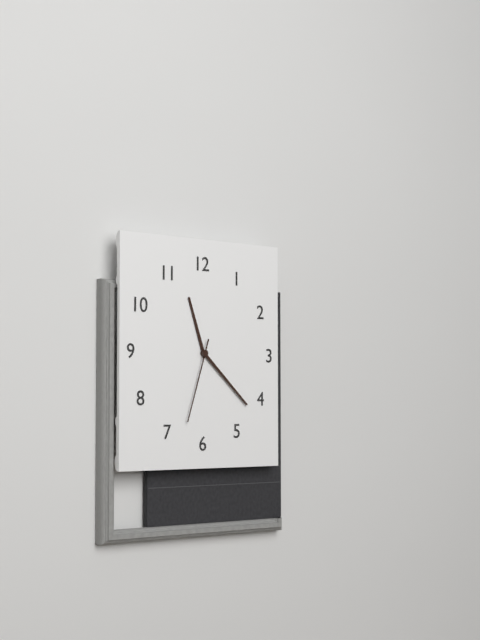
h=11 m=22 s=33
